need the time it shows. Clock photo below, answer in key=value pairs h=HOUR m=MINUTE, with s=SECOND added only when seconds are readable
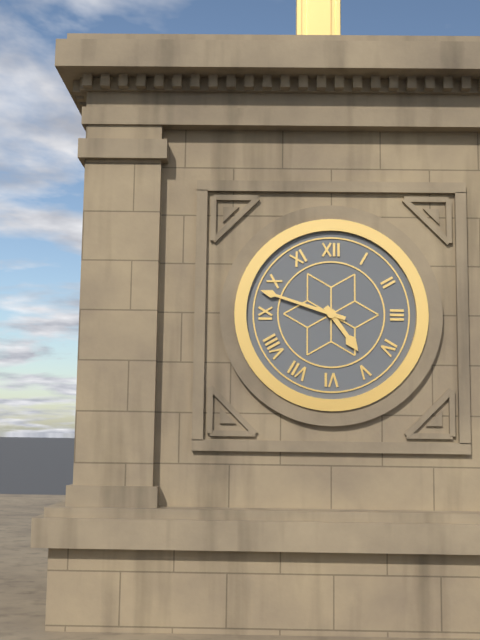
h=4 m=48
